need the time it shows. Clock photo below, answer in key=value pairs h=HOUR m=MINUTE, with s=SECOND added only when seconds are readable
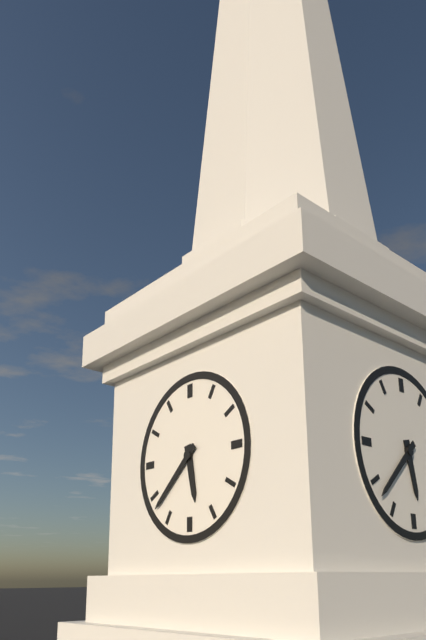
h=5 m=38
